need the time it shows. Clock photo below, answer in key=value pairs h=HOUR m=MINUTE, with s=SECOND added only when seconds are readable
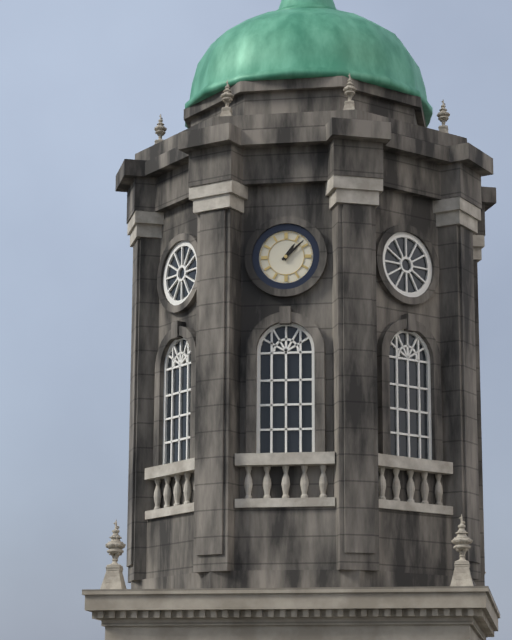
h=1 m=8
